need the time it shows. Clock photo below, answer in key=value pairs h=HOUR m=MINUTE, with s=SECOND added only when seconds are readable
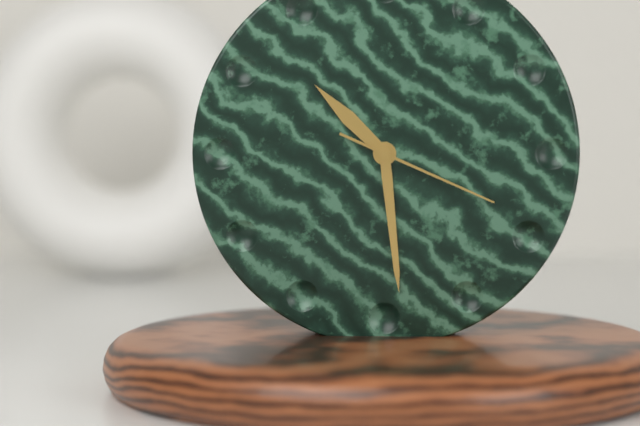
h=10 m=29 s=19
